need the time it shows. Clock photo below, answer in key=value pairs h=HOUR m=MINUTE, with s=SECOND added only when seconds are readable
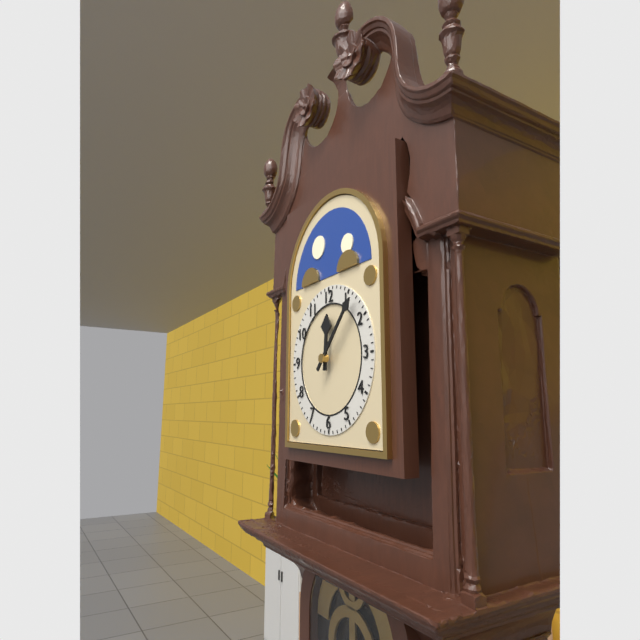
h=12 m=7
